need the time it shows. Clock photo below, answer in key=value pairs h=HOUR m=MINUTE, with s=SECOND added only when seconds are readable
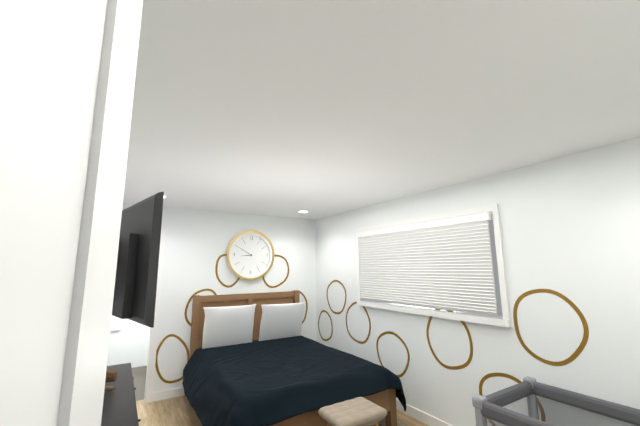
h=8 m=50
